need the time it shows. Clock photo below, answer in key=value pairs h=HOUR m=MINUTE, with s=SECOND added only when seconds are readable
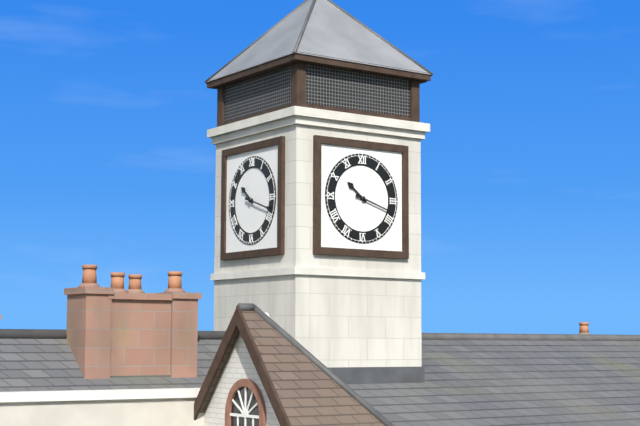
h=10 m=18
